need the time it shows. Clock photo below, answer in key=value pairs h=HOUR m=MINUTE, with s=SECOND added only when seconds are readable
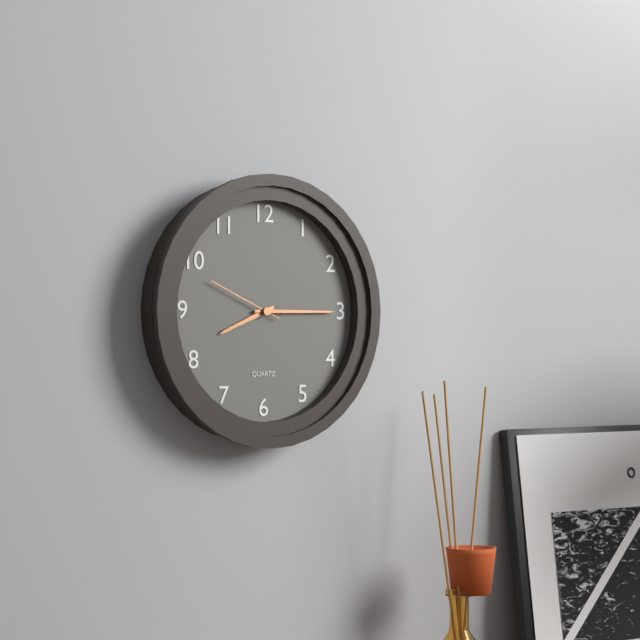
h=8 m=15 s=49
